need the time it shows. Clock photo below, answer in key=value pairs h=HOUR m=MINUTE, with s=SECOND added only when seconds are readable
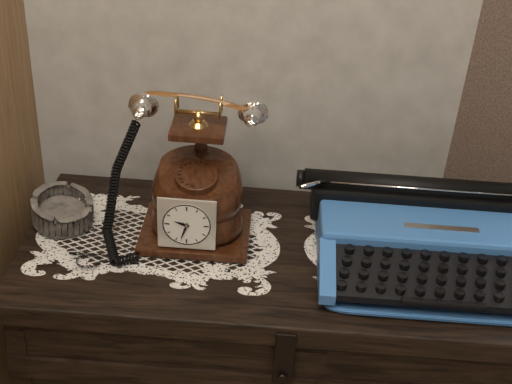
h=9 m=33
